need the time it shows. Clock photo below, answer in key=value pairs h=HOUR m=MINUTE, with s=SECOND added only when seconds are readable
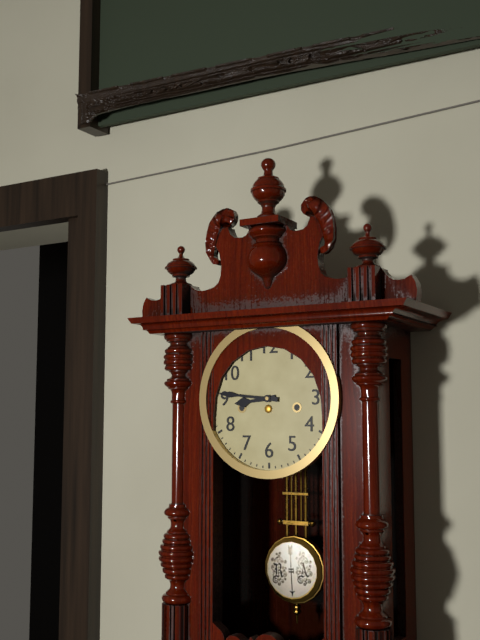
h=8 m=46
